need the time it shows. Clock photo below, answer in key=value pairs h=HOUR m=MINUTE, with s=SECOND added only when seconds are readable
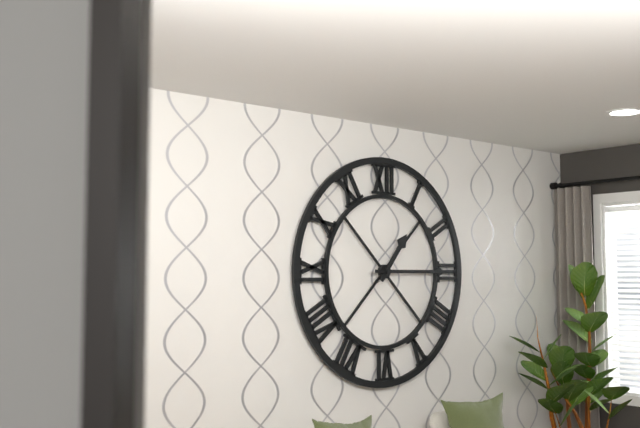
h=1 m=15
